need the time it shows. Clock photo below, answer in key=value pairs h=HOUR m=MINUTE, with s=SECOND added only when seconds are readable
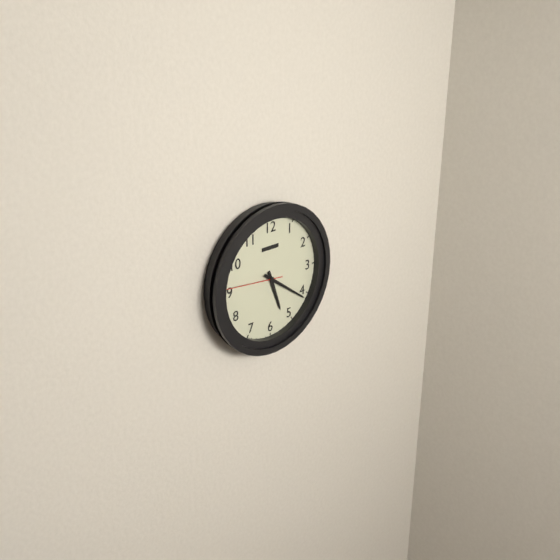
h=5 m=21 s=46
